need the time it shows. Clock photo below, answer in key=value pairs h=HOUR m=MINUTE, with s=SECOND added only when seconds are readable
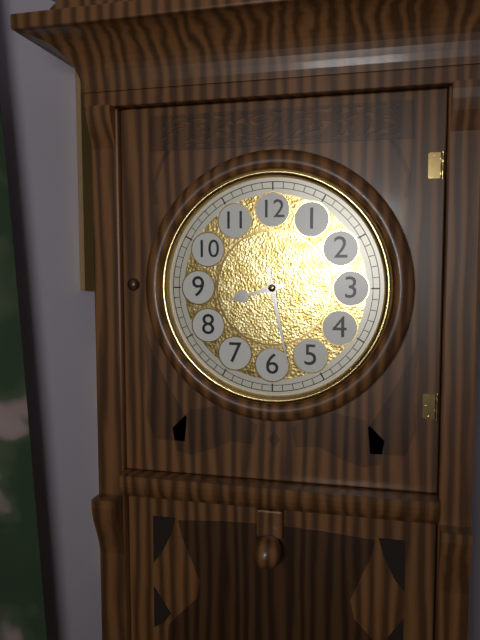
h=8 m=28
